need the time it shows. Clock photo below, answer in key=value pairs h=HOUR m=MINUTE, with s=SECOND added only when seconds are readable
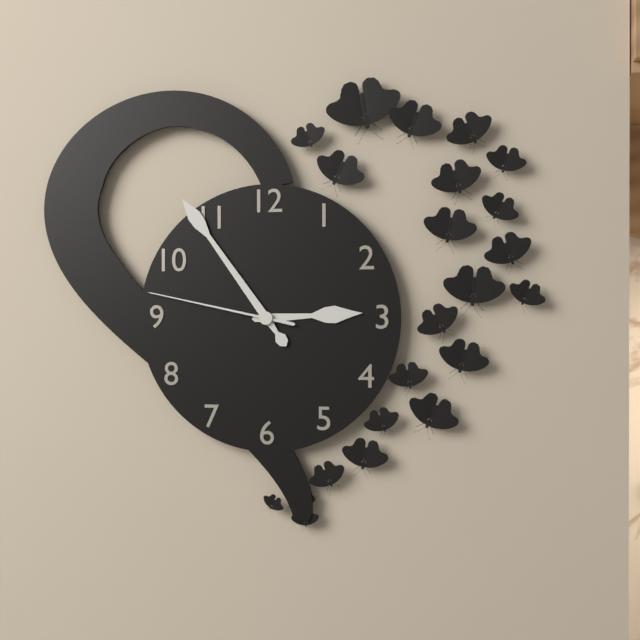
h=2 m=54 s=47
